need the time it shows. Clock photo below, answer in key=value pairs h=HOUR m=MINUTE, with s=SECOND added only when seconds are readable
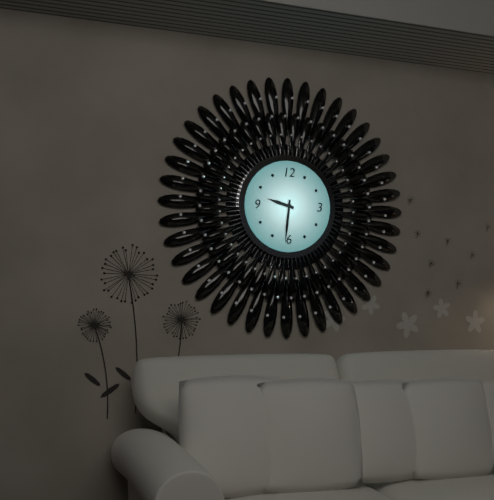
h=9 m=31
